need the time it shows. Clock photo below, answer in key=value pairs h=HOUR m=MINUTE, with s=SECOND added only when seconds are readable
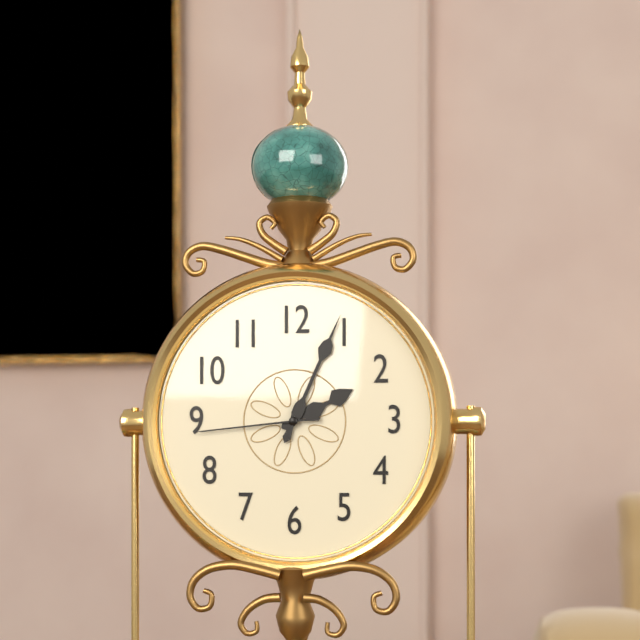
h=2 m=4 s=44
